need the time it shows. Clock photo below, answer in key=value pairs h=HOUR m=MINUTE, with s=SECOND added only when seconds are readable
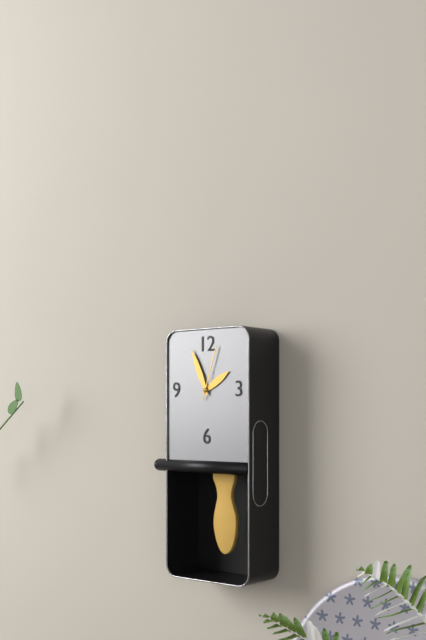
h=1 m=56 s=3
